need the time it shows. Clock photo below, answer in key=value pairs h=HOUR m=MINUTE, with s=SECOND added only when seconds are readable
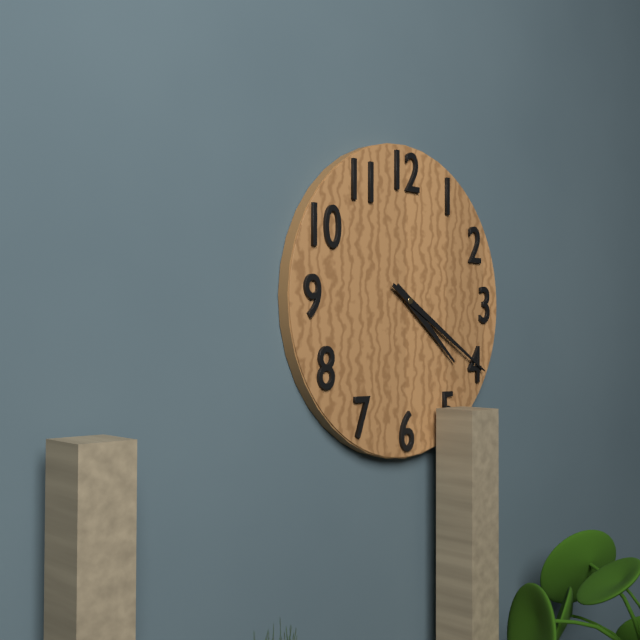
h=4 m=20
